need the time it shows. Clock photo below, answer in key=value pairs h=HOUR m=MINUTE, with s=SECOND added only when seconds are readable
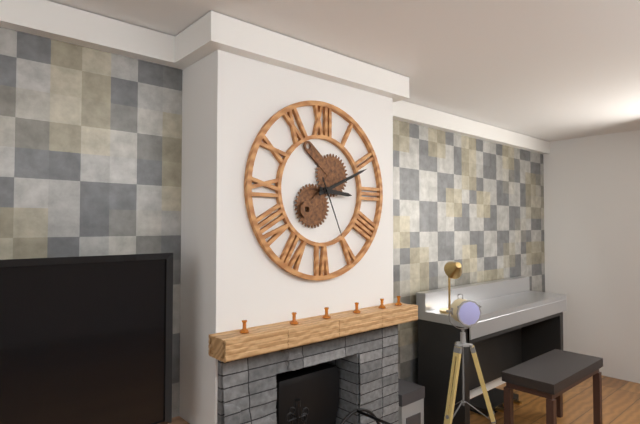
h=3 m=11 s=26
